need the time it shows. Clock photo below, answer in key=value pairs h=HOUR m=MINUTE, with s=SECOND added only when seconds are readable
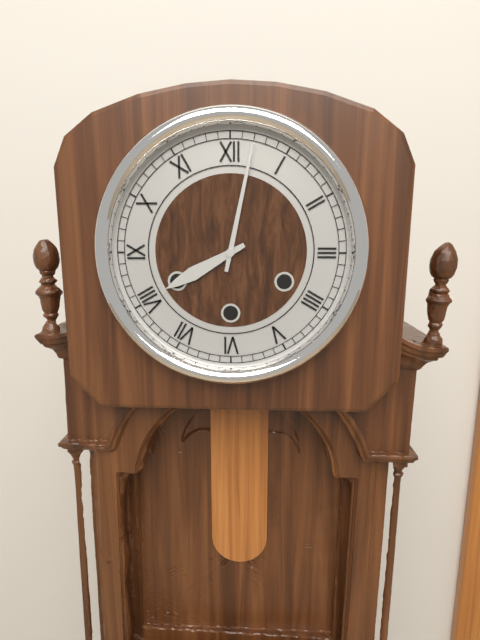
h=8 m=2
